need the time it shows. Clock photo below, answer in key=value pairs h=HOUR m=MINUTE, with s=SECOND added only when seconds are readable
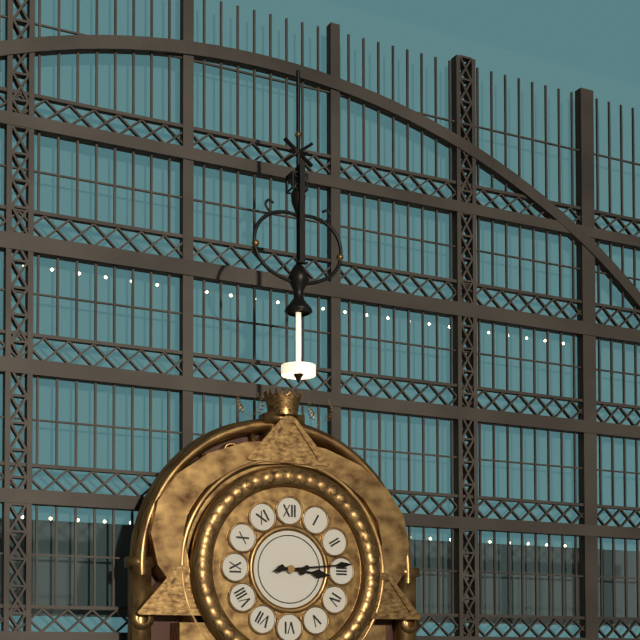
h=3 m=14
